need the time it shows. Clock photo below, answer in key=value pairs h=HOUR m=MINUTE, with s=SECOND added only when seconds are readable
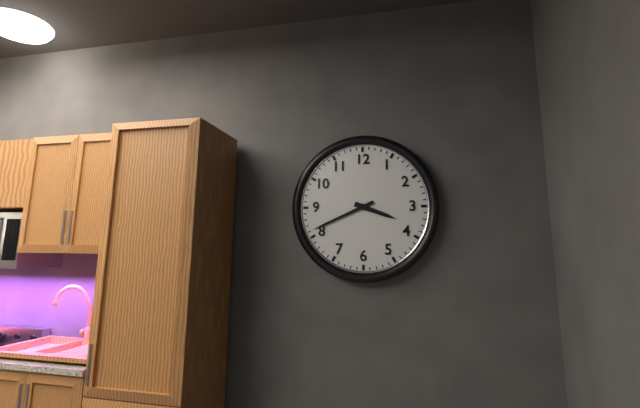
h=3 m=41
